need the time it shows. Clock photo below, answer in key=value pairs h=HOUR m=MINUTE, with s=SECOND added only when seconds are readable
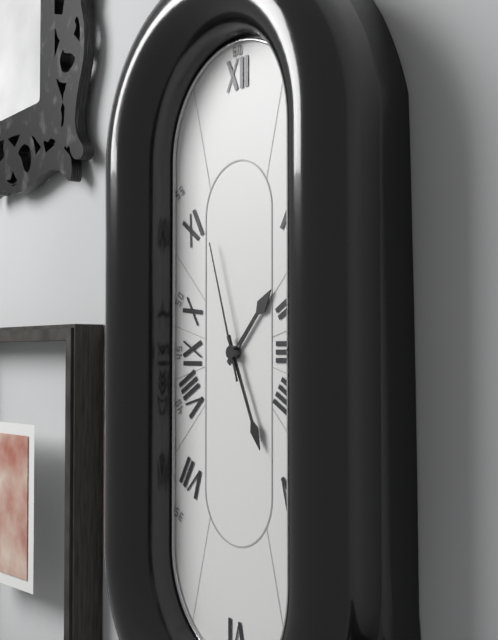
h=1 m=26 s=57
